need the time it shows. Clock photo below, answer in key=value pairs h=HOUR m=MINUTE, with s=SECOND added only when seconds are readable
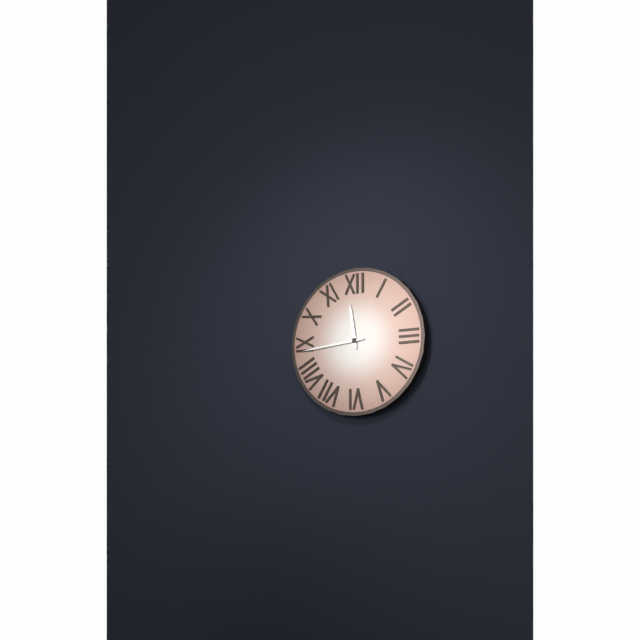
h=11 m=44
